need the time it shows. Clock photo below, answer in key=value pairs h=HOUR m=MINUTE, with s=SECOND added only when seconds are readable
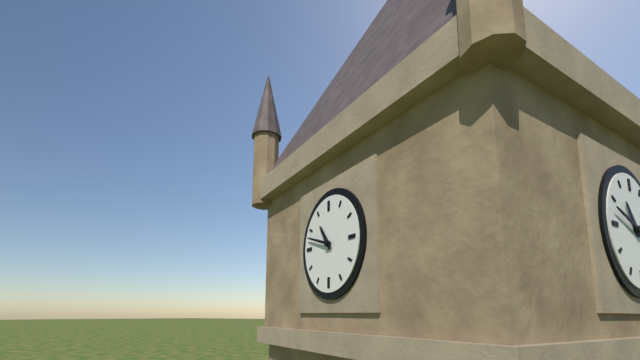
h=10 m=48
